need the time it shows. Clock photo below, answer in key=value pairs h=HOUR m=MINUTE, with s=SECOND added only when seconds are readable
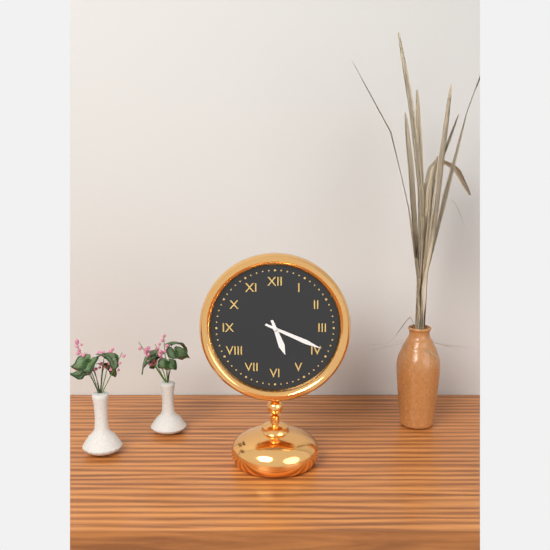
h=5 m=19
